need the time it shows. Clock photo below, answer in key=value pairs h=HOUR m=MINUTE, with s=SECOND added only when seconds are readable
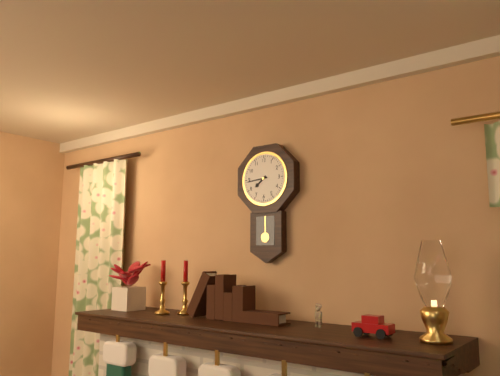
h=7 m=44
